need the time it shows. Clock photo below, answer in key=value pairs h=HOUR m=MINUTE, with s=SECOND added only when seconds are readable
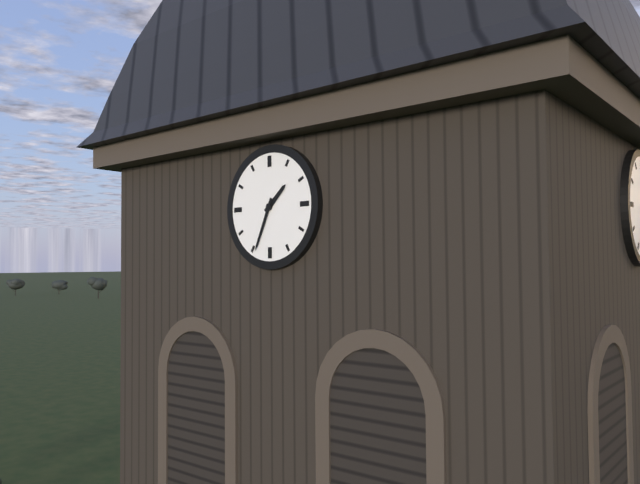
h=1 m=34
